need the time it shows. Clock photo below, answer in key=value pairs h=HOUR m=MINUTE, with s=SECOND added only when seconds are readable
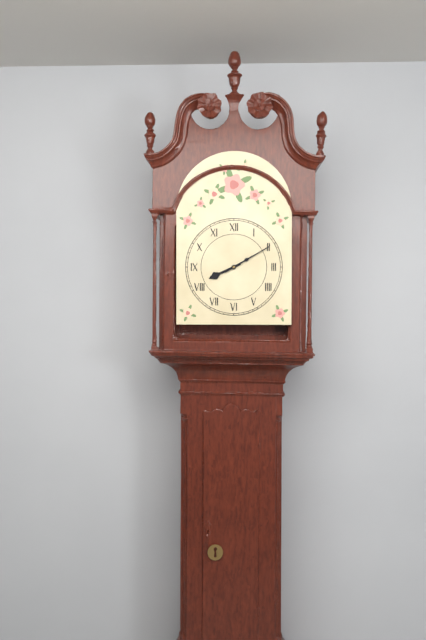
h=8 m=10
